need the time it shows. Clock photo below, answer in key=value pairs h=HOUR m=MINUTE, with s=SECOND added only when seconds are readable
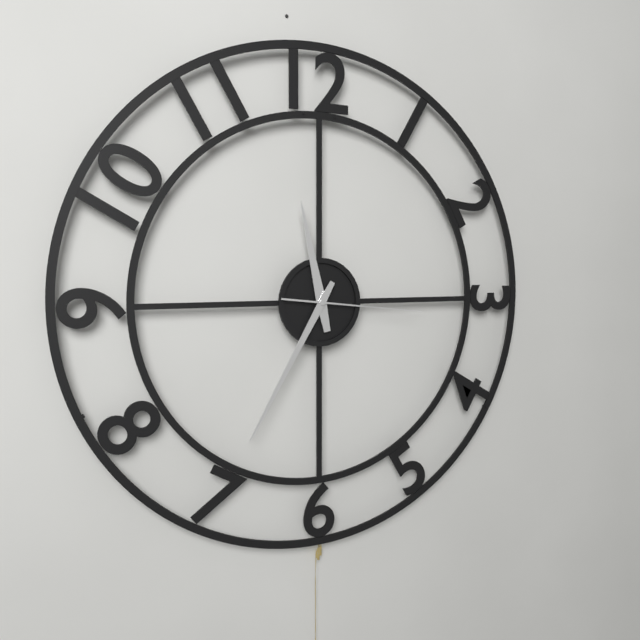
h=11 m=35 s=16
